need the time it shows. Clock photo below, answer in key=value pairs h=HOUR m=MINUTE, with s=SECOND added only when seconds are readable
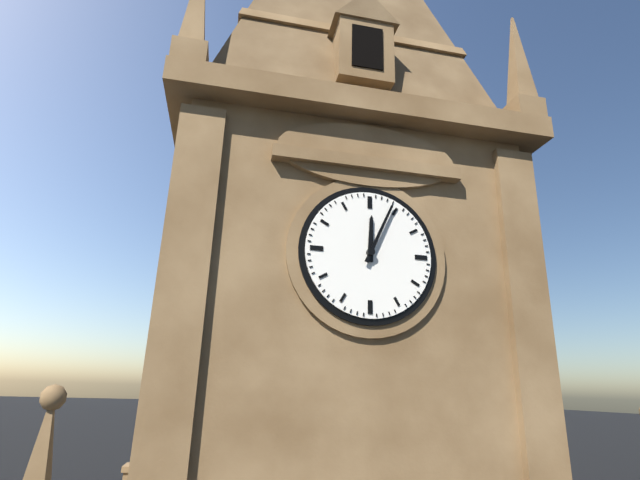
h=12 m=4
